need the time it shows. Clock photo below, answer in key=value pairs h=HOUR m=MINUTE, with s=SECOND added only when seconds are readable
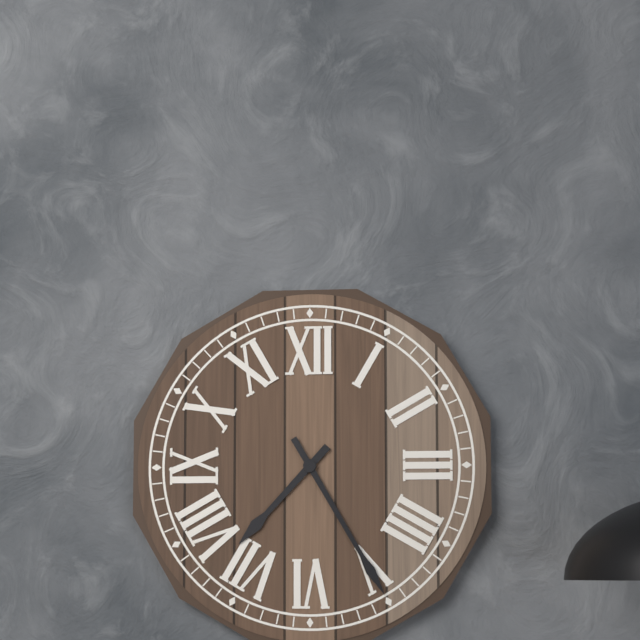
h=7 m=25
